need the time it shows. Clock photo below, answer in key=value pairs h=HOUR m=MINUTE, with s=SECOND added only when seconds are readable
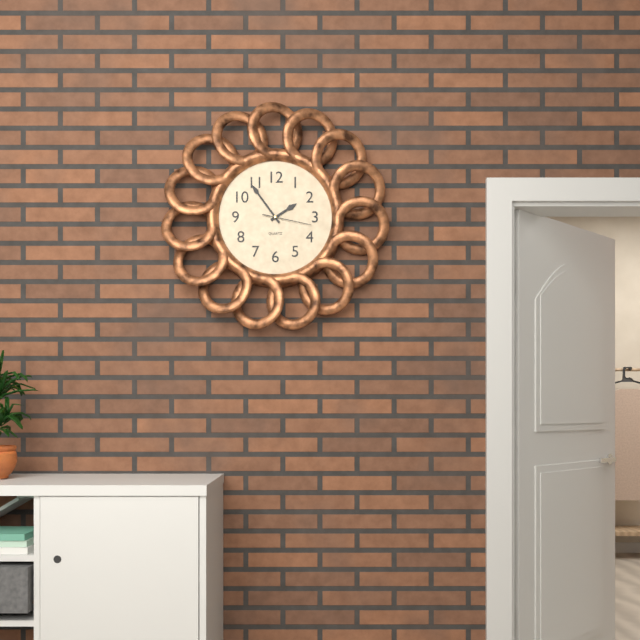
h=1 m=54
